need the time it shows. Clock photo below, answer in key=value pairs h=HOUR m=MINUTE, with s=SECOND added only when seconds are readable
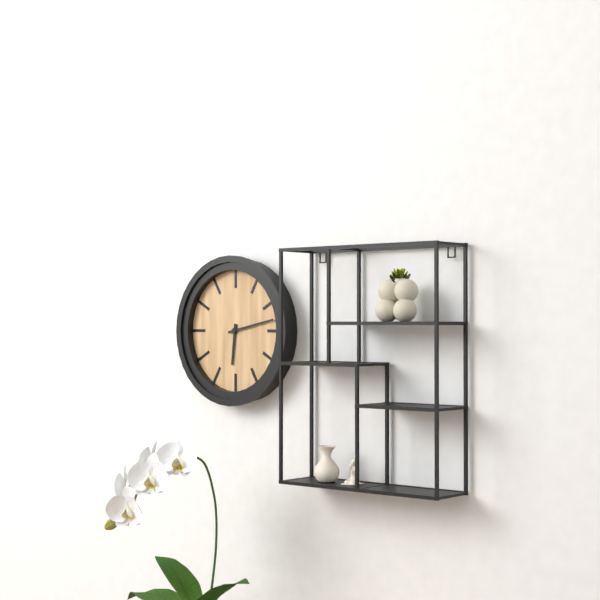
h=6 m=13
